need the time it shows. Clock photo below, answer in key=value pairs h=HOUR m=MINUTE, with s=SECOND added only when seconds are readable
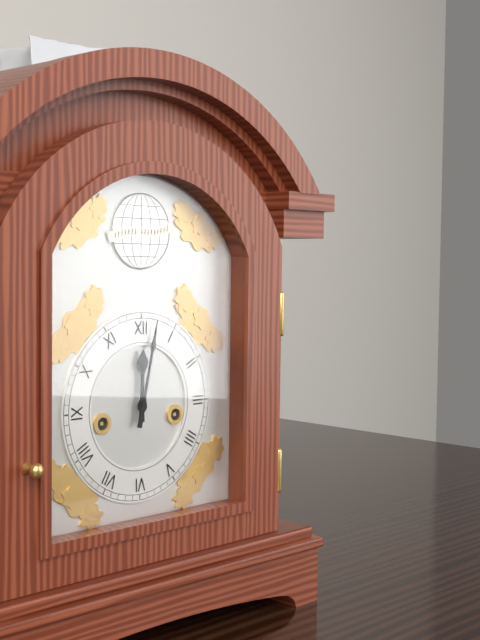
h=12 m=2
